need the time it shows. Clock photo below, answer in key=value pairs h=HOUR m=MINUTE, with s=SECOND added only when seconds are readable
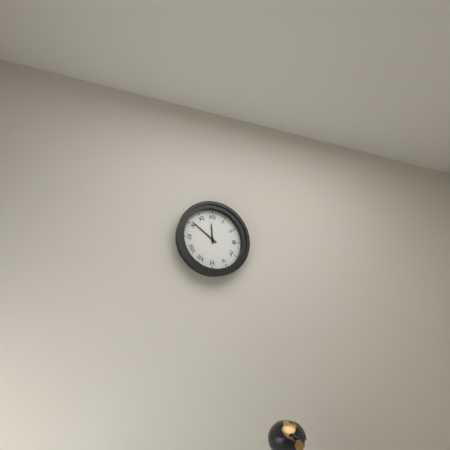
h=11 m=51
